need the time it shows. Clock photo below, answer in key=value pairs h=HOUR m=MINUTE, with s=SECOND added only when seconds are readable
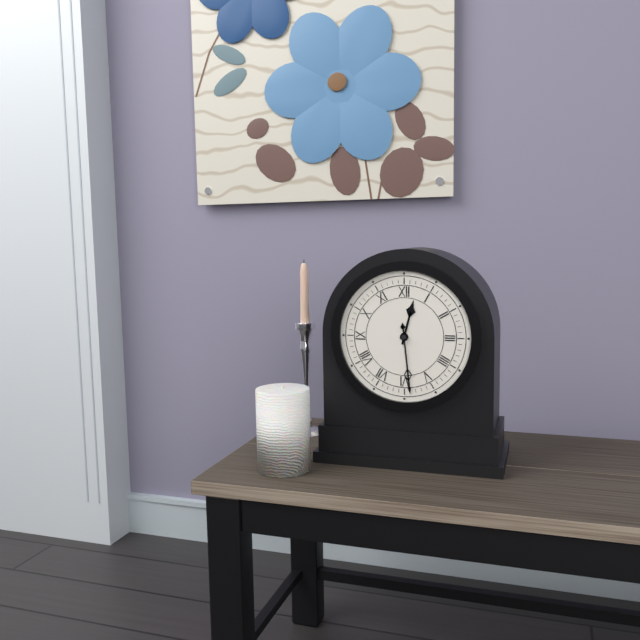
h=12 m=29
